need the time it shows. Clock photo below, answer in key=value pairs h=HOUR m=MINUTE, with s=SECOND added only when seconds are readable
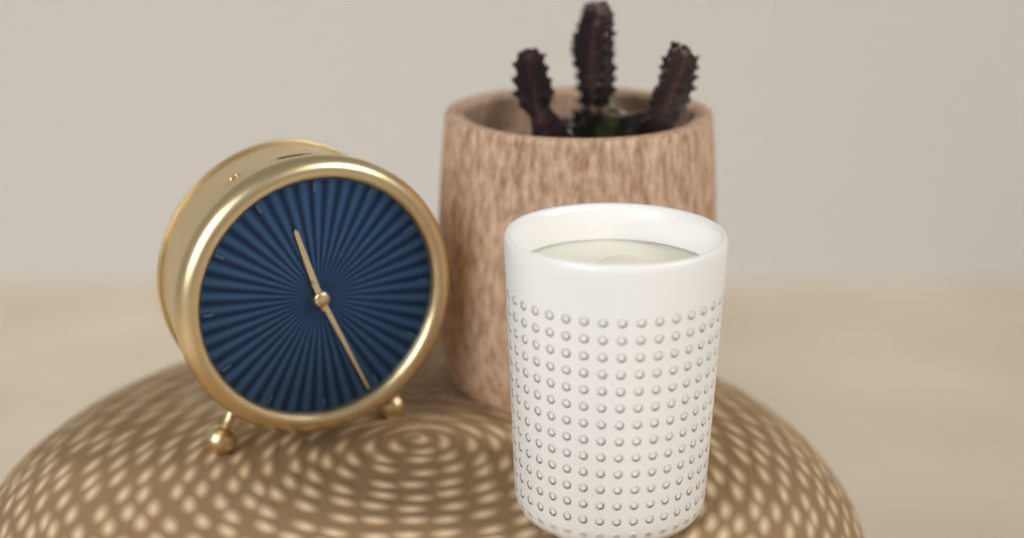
h=11 m=26
